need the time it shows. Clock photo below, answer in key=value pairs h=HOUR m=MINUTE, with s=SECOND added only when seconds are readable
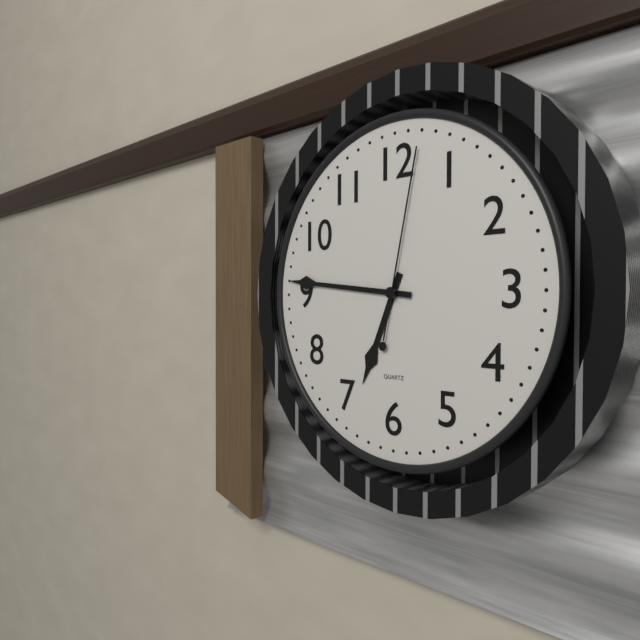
h=6 m=46 s=2
